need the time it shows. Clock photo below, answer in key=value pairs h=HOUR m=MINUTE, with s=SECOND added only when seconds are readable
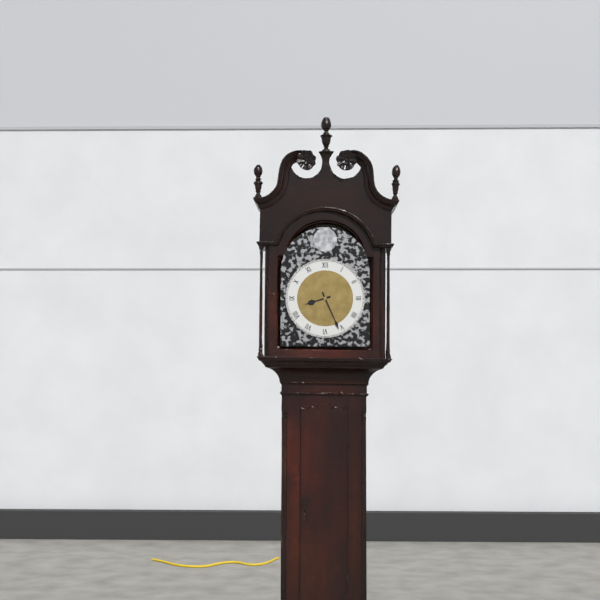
h=8 m=26
